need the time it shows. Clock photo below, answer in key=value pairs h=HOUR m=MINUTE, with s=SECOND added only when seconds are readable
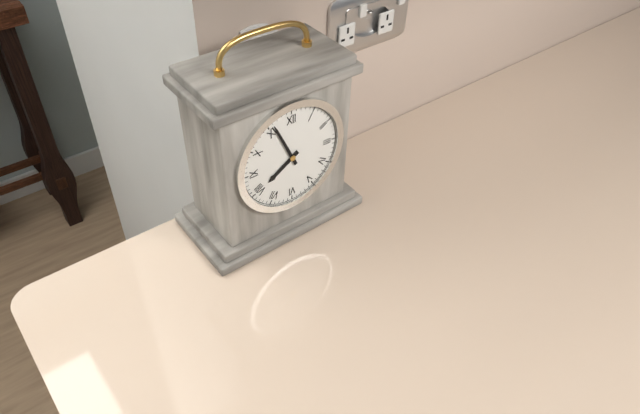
h=7 m=56
